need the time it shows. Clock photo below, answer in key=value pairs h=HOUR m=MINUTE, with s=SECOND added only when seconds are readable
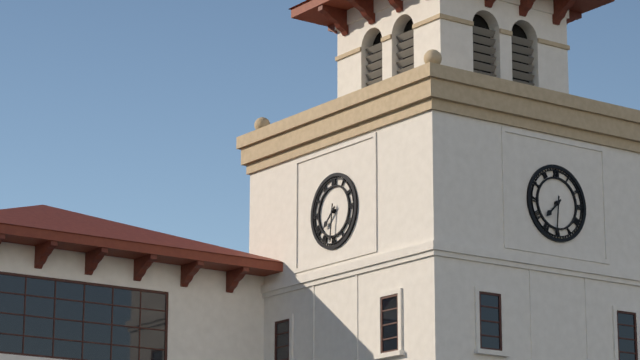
h=7 m=31
